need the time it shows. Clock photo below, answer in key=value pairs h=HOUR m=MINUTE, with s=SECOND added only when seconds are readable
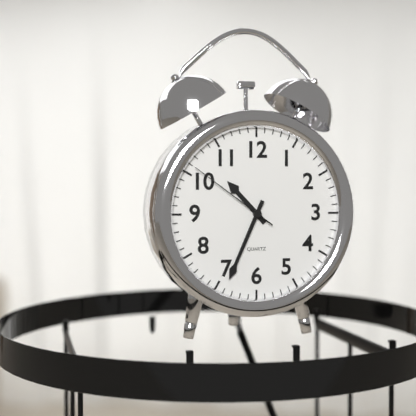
h=10 m=34 s=51
